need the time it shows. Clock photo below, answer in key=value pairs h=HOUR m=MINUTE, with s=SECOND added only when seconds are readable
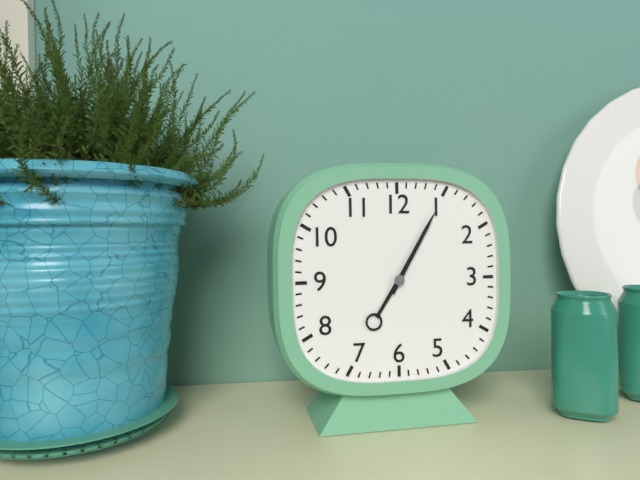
h=7 m=5
